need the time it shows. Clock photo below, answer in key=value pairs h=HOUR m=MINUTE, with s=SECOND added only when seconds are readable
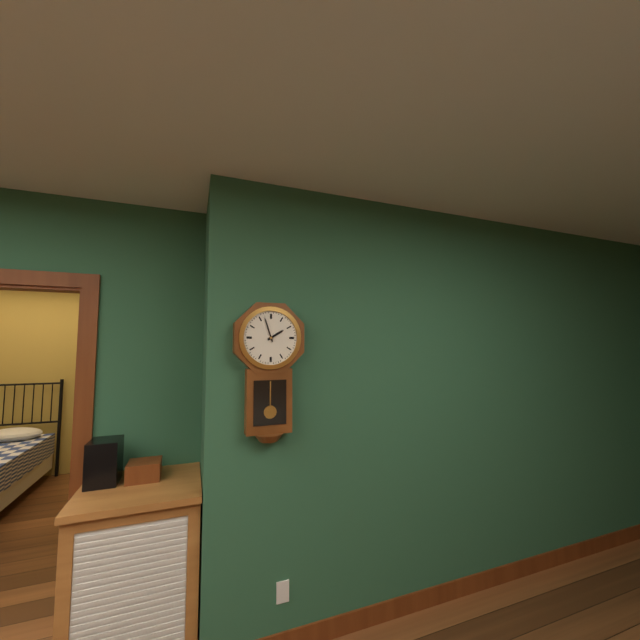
h=1 m=57
